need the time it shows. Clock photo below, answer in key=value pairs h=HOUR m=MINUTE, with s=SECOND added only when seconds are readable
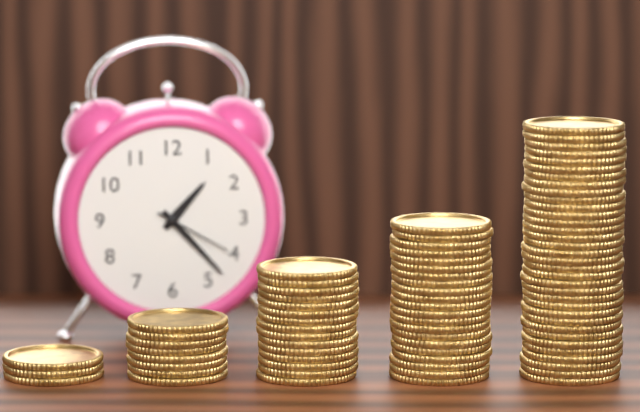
h=1 m=23 s=20
